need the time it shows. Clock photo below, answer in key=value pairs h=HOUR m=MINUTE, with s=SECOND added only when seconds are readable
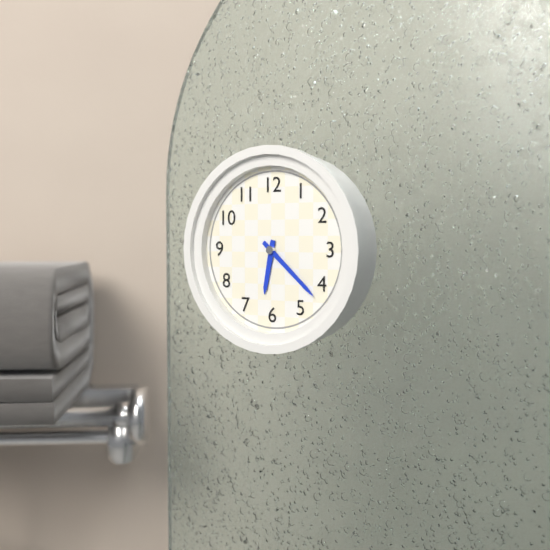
h=6 m=22
